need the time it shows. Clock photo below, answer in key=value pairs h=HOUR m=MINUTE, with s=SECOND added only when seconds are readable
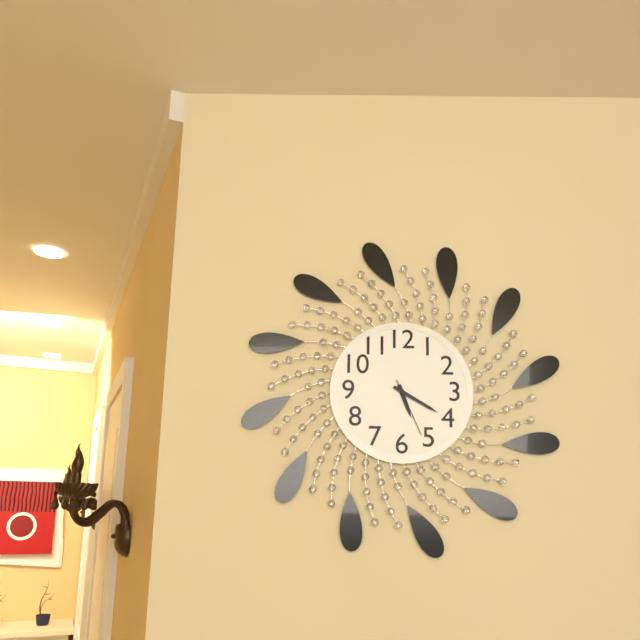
h=5 m=20 s=26
